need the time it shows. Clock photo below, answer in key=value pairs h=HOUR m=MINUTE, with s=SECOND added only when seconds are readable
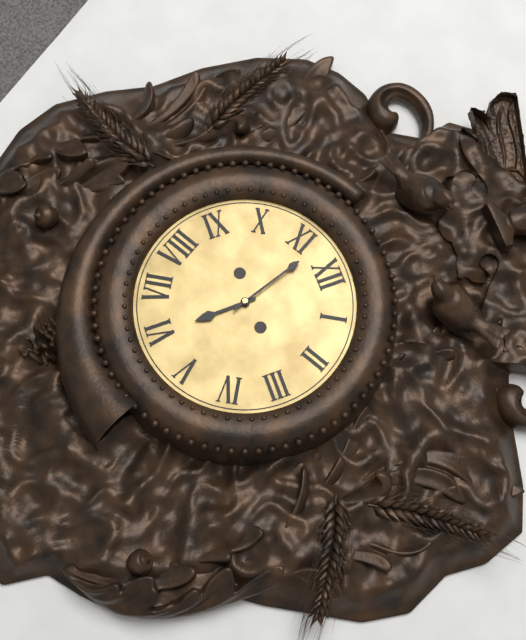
h=5 m=57
